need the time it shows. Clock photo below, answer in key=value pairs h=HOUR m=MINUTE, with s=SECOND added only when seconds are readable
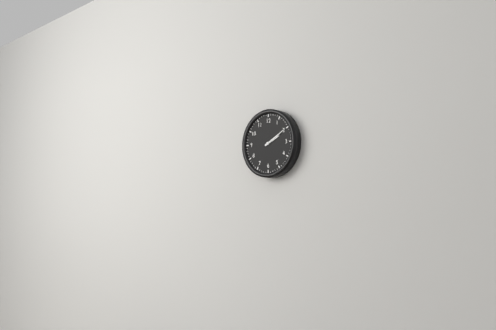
h=2 m=10
